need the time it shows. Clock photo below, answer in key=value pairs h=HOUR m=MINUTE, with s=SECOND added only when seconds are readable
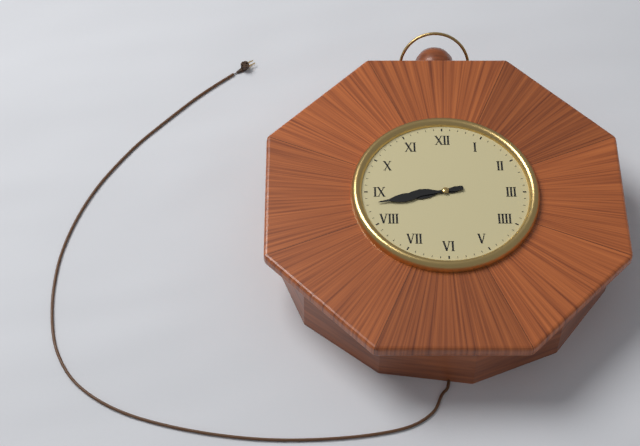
h=8 m=43
